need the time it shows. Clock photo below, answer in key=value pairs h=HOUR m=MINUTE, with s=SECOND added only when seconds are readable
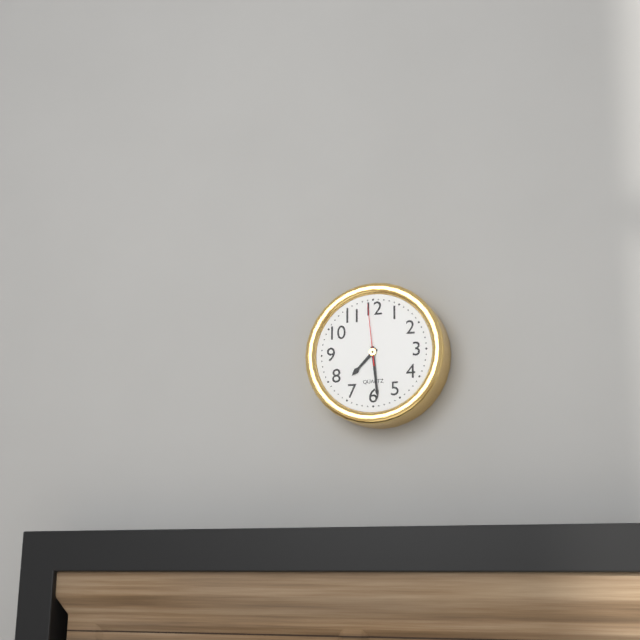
h=7 m=29 s=59
